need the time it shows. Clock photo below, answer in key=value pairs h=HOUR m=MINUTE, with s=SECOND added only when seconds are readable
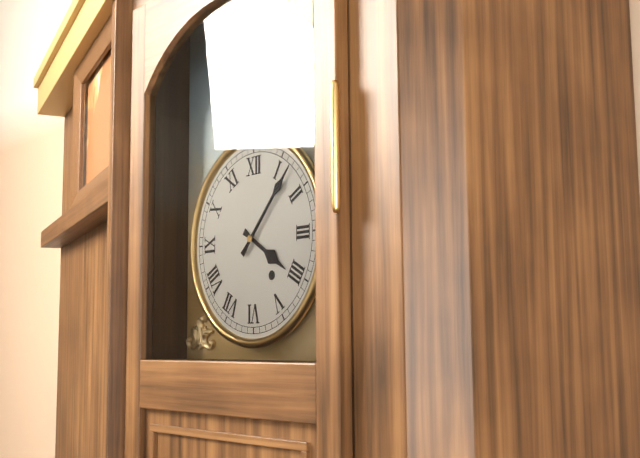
h=4 m=7
